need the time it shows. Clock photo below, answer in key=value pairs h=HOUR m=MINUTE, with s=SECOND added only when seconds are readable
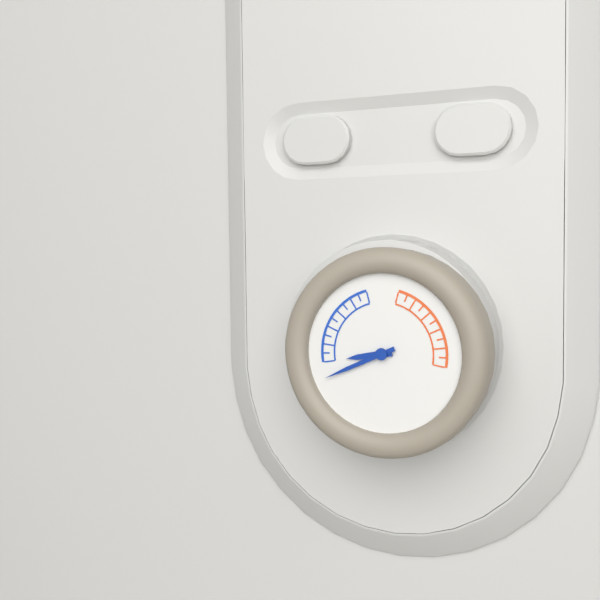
h=8 m=41
